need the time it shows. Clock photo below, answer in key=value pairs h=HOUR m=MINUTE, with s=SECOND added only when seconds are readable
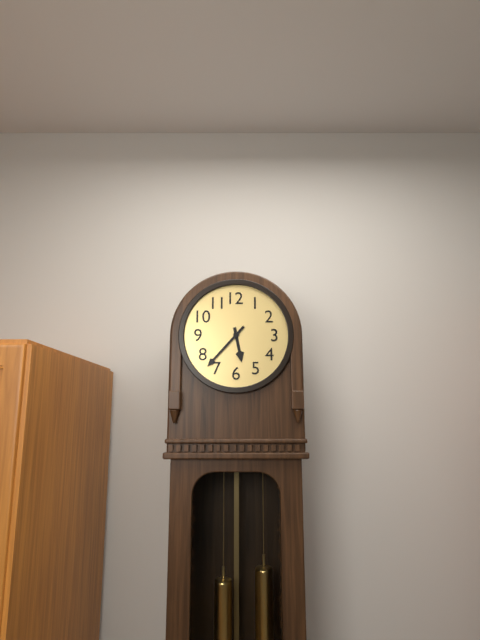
h=5 m=37
